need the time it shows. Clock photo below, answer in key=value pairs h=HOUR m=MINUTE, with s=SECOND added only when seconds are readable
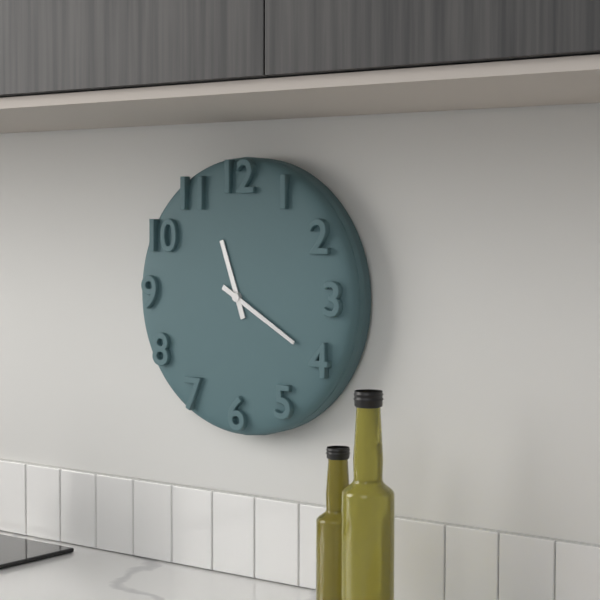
h=11 m=20
